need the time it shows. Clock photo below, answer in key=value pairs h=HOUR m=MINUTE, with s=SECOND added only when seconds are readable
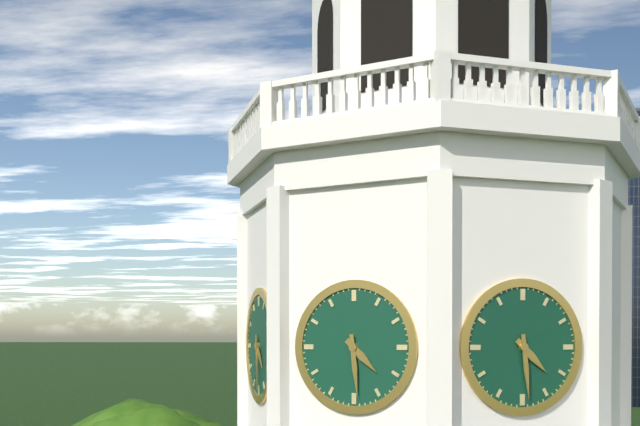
h=4 m=29
